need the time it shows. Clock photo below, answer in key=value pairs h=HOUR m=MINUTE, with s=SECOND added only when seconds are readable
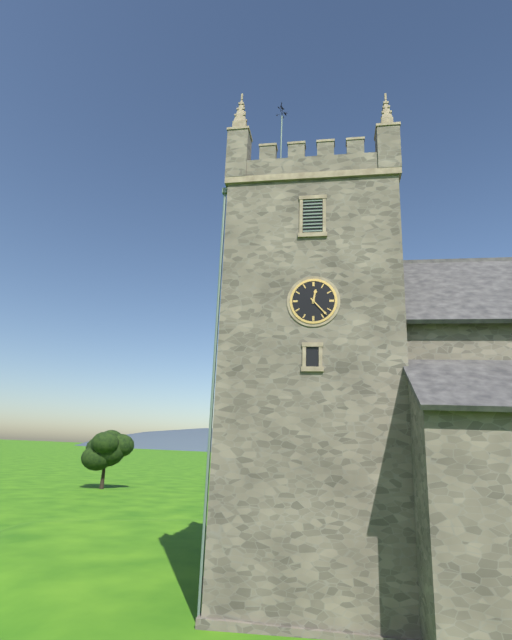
h=12 m=23
